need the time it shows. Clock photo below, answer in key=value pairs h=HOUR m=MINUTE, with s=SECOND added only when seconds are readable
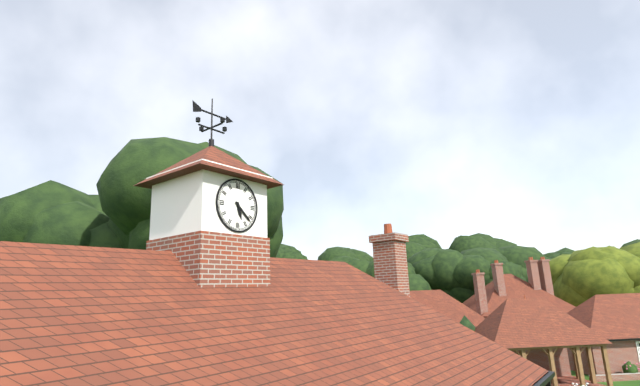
h=5 m=22
